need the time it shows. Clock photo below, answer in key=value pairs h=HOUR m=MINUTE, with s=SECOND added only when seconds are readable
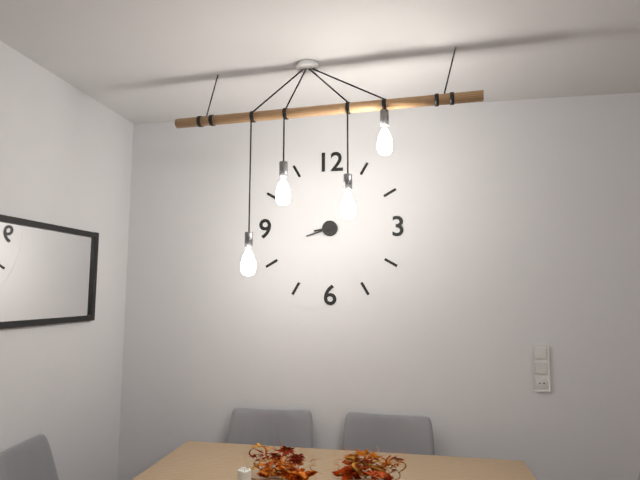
h=8 m=42
